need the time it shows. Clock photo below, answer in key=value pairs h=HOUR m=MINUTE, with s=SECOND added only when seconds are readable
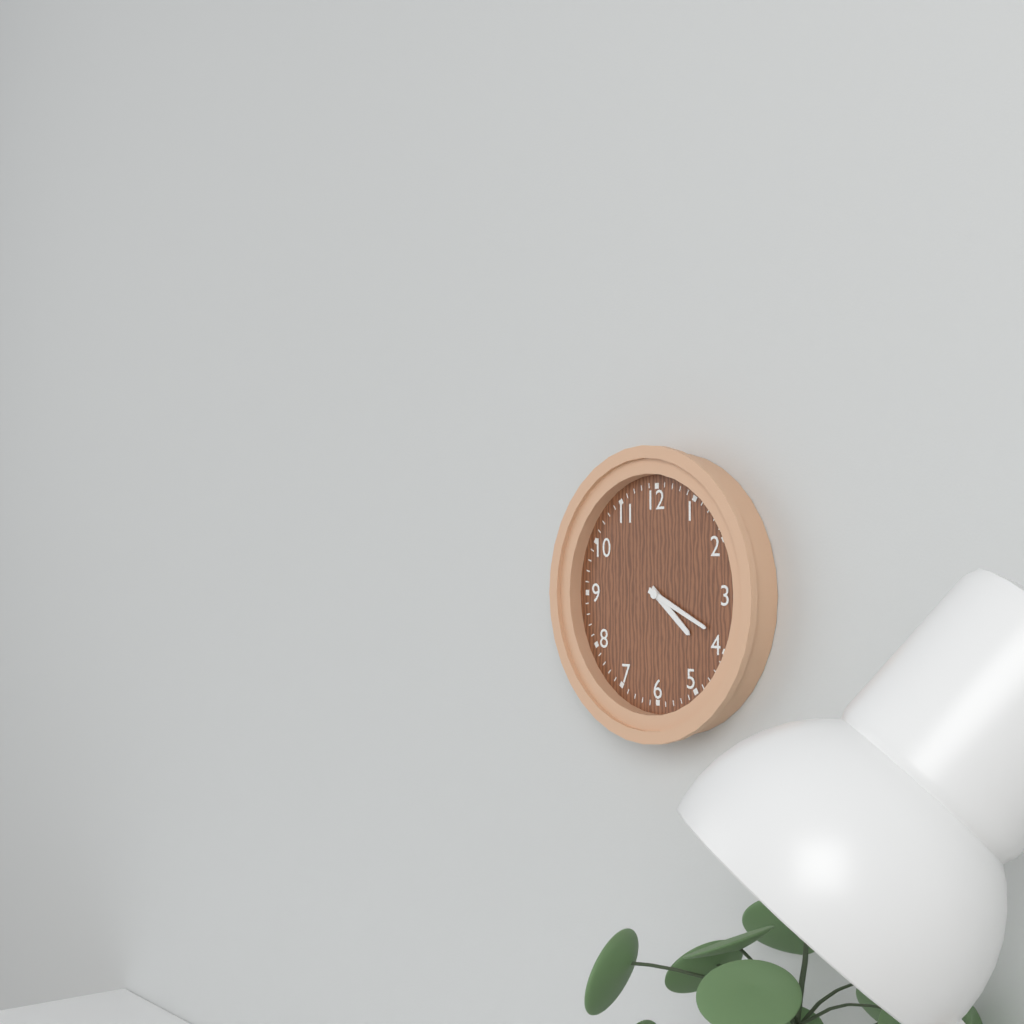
h=4 m=19
